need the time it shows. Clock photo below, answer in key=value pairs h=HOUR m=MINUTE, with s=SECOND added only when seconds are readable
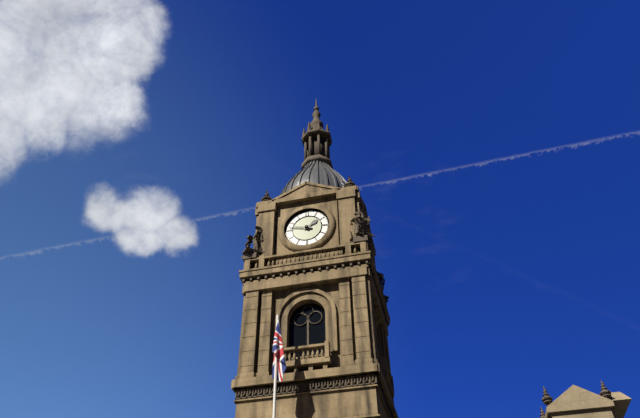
h=1 m=47
